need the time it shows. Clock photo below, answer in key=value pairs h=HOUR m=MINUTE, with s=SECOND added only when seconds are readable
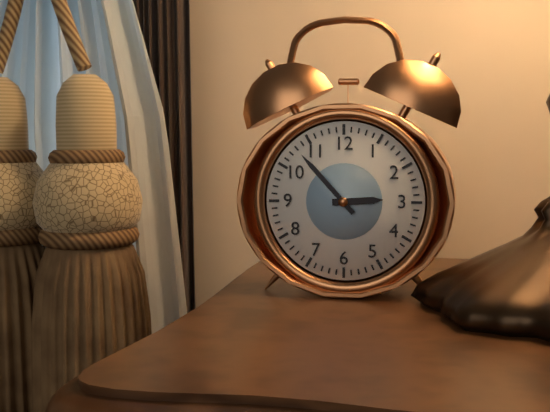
h=2 m=53
